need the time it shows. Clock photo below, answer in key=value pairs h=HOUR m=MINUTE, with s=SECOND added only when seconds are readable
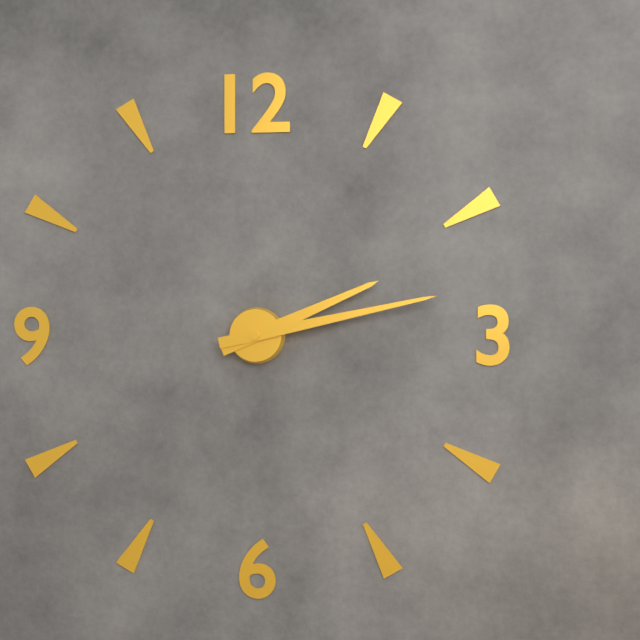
h=2 m=13
